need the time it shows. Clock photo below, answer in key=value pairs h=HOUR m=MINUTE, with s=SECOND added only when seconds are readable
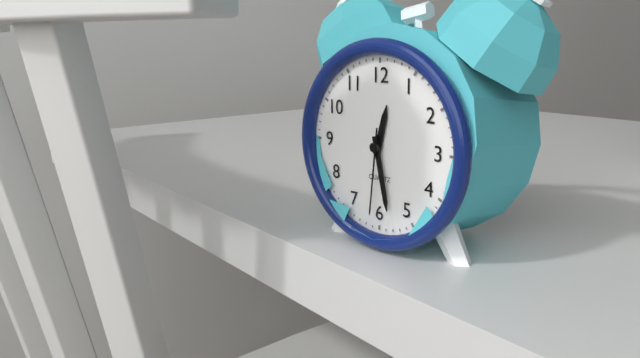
h=12 m=28 s=31
